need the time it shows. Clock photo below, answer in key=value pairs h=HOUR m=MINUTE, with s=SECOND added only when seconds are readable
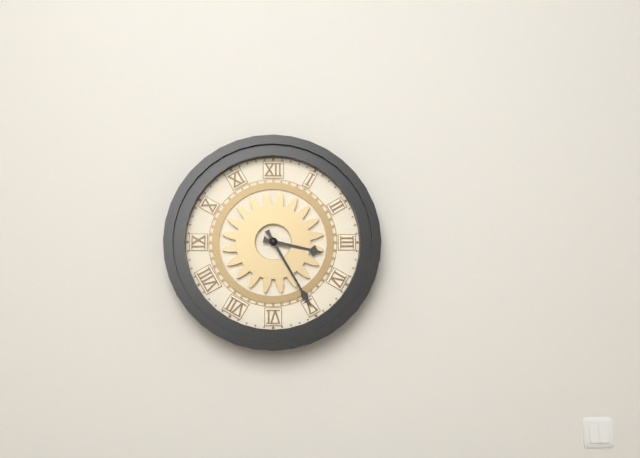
h=3 m=25
